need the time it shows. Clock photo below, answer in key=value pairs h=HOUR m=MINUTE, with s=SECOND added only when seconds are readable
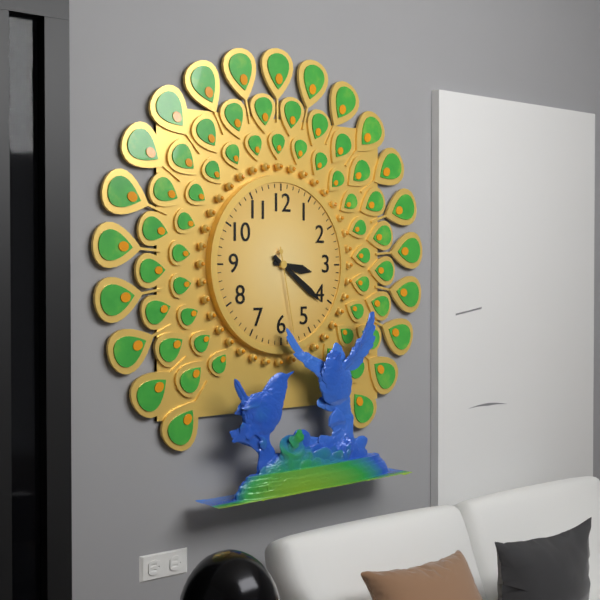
h=3 m=21 s=28
